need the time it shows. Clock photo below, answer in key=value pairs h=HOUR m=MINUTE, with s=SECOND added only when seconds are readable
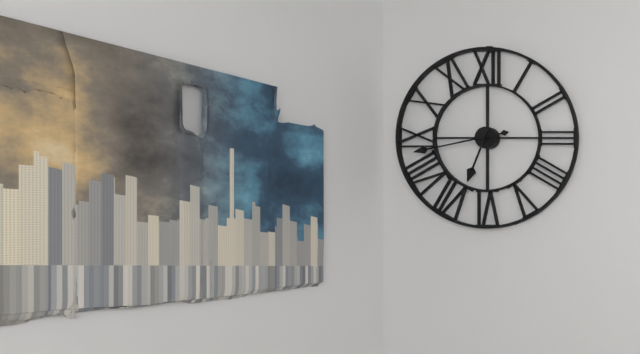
h=6 m=43
